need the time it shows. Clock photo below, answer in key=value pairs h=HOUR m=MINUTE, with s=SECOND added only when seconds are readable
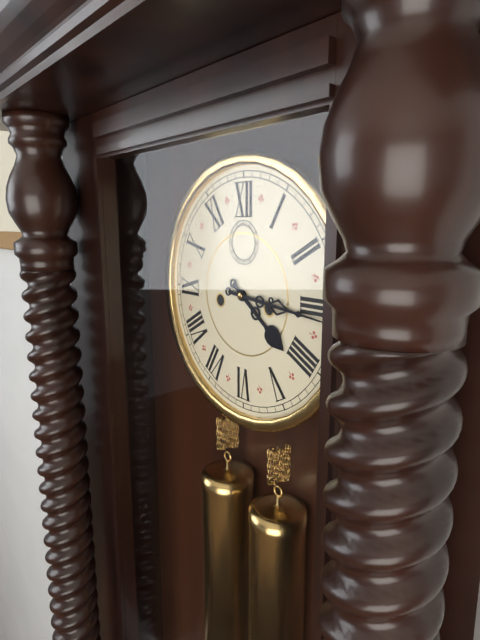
h=4 m=16
